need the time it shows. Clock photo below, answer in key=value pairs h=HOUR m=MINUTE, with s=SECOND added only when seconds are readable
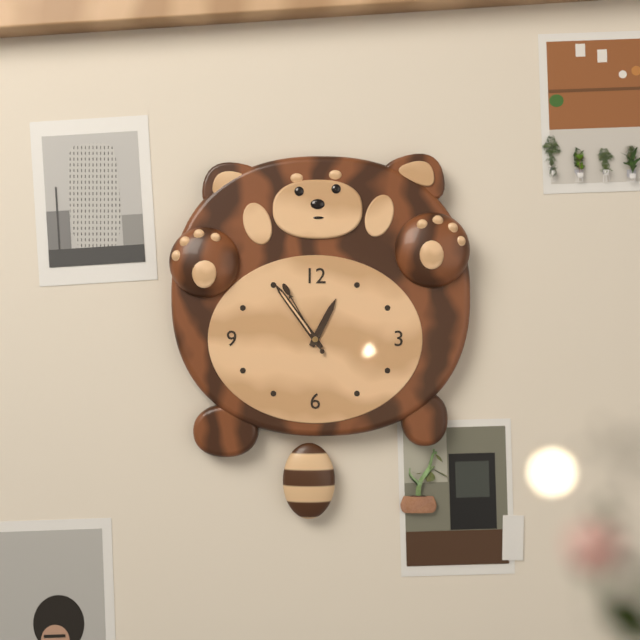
h=12 m=54 s=55
